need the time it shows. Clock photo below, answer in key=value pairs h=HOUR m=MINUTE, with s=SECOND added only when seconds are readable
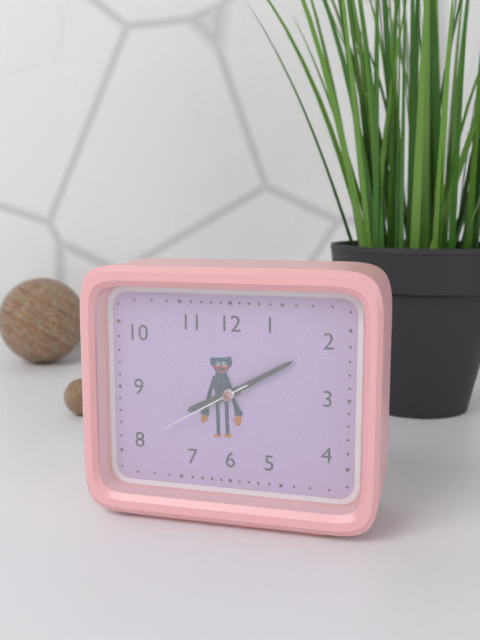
h=8 m=10 s=40
